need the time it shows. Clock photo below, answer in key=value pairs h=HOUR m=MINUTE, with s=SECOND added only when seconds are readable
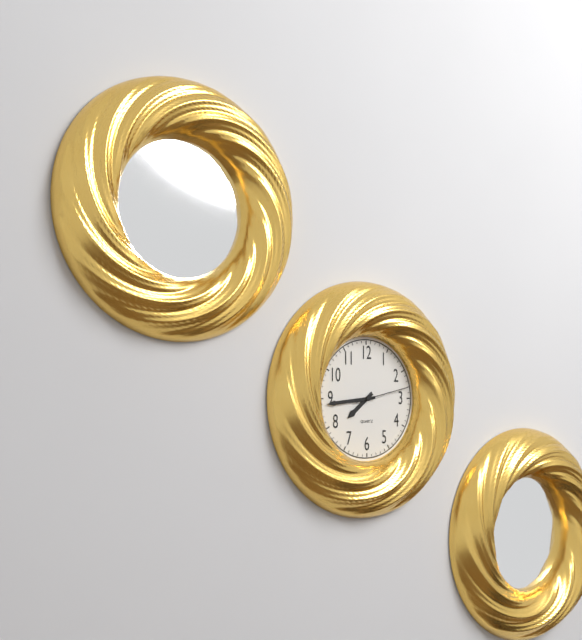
h=7 m=44 s=13
